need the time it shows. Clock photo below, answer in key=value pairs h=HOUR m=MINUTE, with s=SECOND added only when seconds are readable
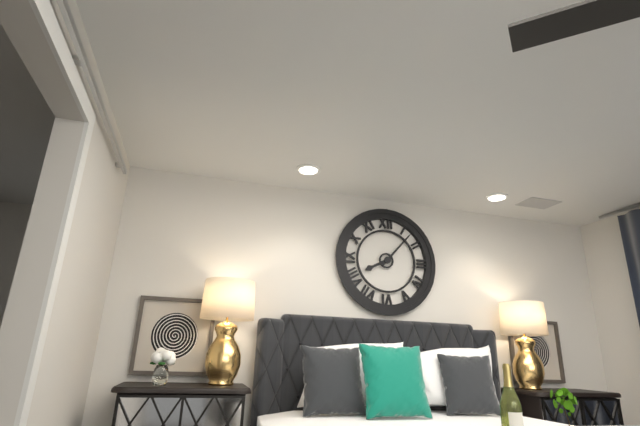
h=8 m=7
